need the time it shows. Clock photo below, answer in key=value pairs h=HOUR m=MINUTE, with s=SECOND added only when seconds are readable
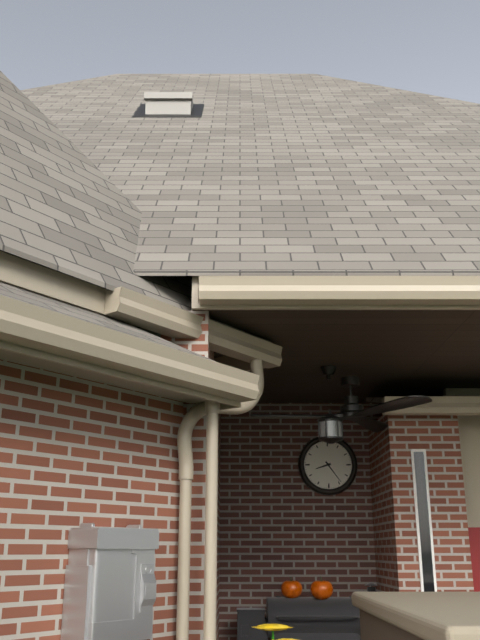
h=8 m=24
